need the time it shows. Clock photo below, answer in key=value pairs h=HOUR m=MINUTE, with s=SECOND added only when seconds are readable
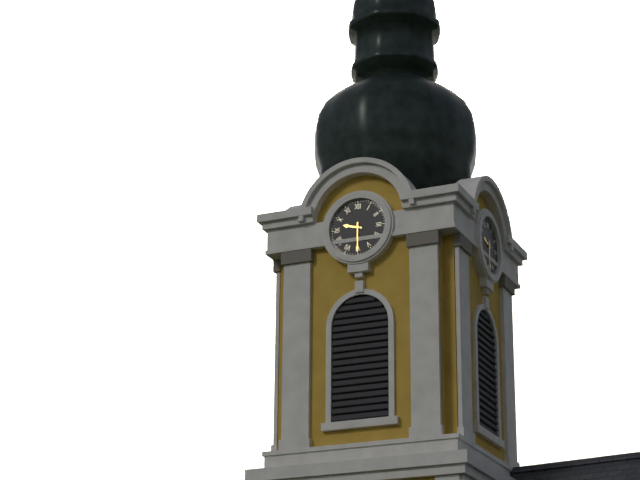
h=9 m=30
